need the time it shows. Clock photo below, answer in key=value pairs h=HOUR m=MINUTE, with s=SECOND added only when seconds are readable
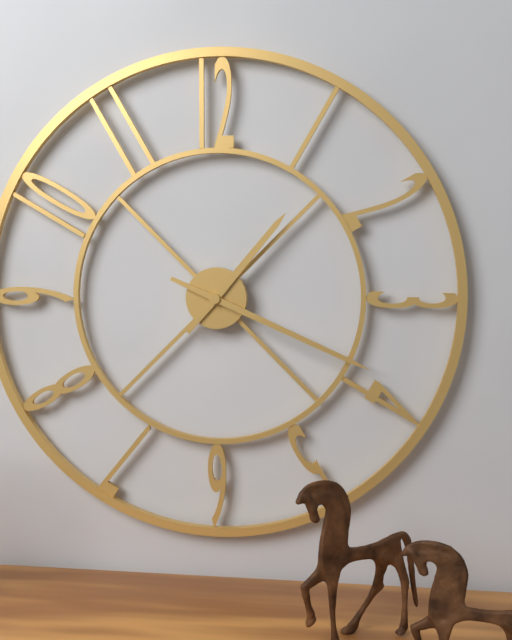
h=1 m=19
